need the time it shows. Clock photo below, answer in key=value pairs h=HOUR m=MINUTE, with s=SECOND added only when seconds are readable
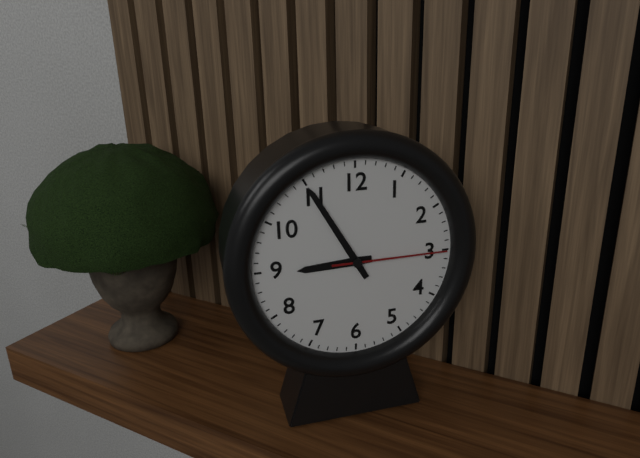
h=8 m=55 s=15
